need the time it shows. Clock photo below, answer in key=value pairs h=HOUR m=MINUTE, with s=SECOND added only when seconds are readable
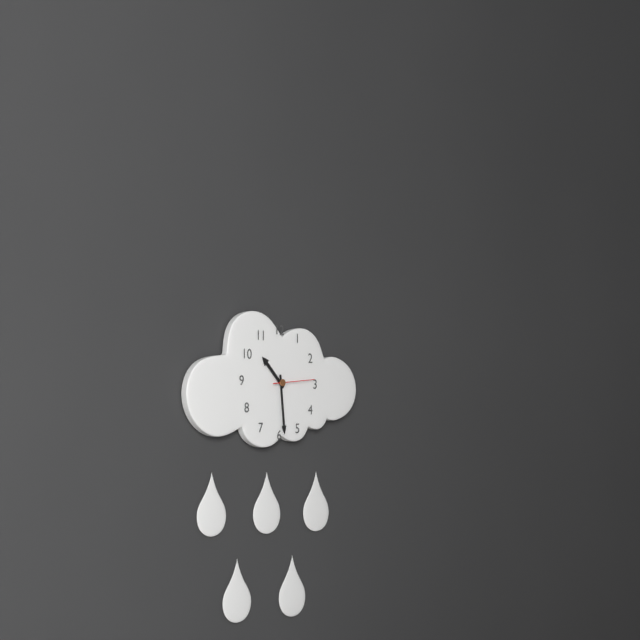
h=10 m=29
